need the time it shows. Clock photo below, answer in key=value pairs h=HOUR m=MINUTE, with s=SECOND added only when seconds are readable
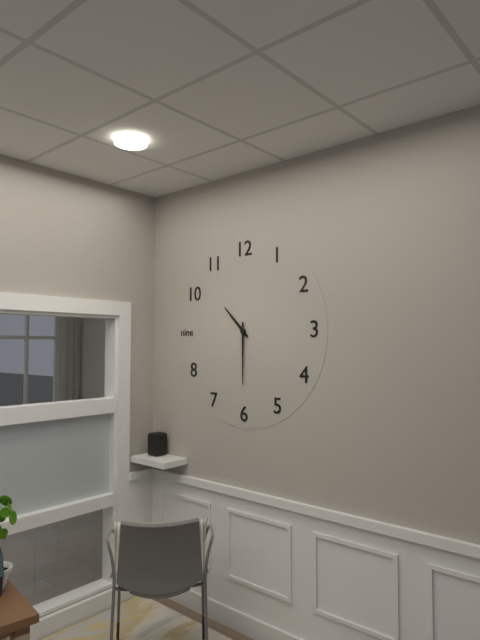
h=10 m=30
